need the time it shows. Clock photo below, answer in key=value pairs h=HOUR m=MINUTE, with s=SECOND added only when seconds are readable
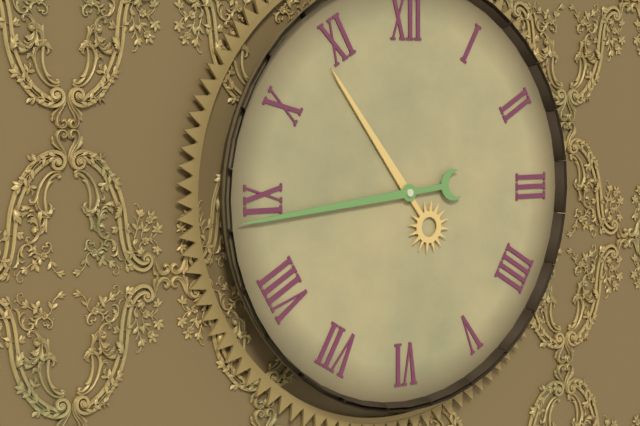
h=10 m=44
